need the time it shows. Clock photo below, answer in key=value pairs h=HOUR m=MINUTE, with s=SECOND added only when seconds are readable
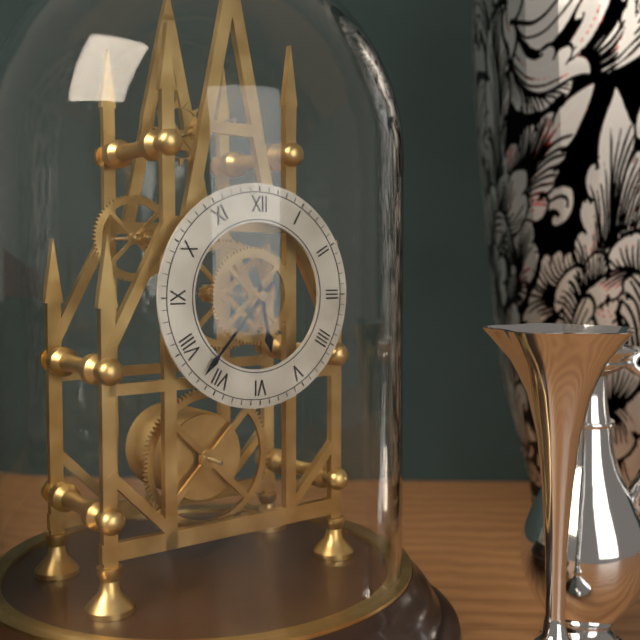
h=5 m=37
